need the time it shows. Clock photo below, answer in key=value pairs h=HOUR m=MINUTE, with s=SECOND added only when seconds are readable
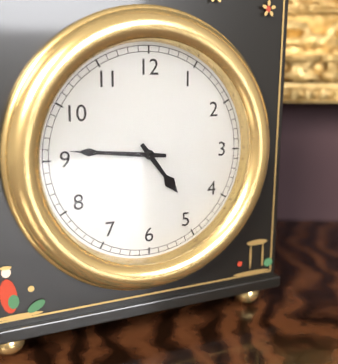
h=4 m=46
